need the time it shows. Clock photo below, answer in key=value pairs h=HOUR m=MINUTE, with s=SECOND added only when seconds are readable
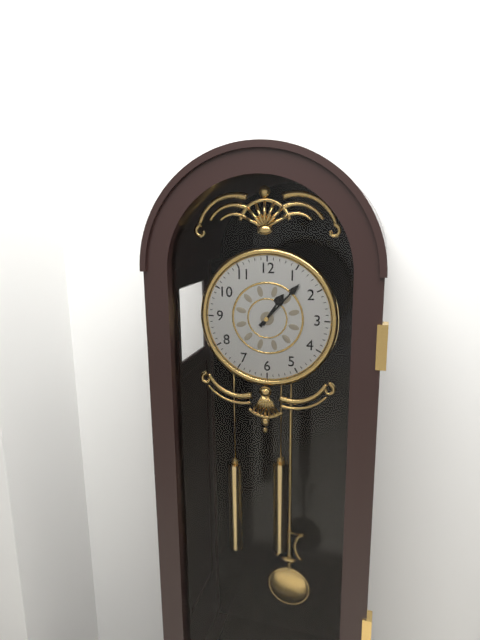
h=1 m=7
